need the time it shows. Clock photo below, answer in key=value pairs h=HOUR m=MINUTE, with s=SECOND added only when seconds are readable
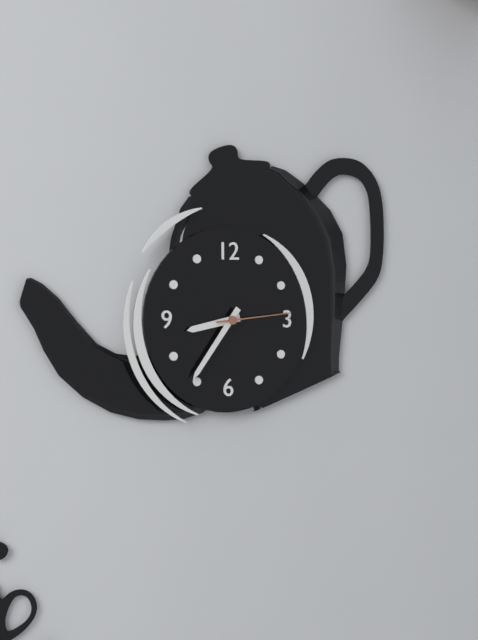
h=8 m=36 s=14
